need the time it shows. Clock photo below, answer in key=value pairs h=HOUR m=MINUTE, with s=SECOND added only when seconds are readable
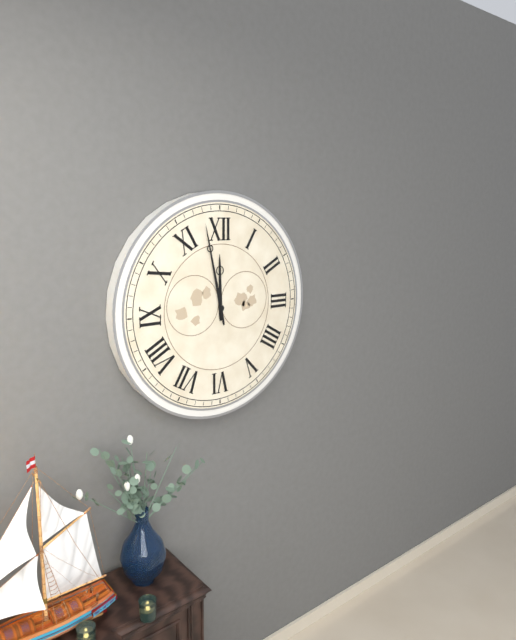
h=11 m=58
